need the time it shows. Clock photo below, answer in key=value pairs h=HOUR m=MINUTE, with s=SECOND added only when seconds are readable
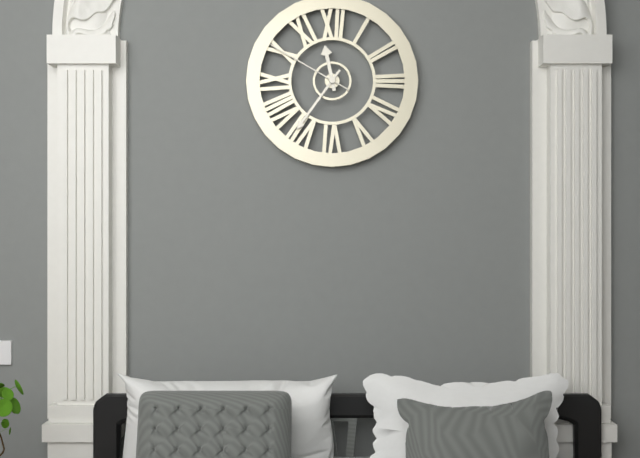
h=11 m=36 s=50
